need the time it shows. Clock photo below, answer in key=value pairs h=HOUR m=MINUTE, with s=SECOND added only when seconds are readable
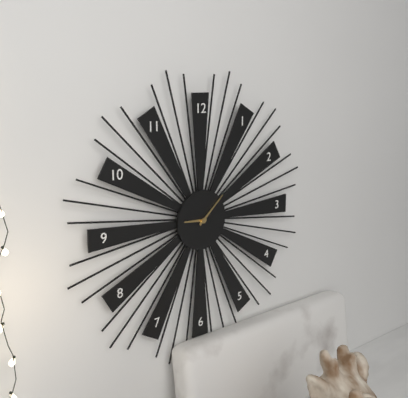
h=9 m=8
